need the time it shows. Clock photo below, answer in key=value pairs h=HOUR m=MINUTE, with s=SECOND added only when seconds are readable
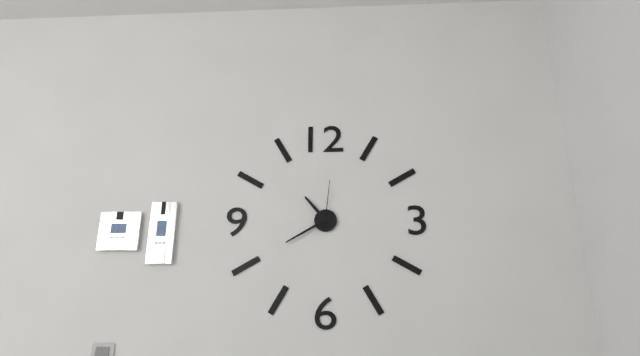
h=10 m=40 s=1
